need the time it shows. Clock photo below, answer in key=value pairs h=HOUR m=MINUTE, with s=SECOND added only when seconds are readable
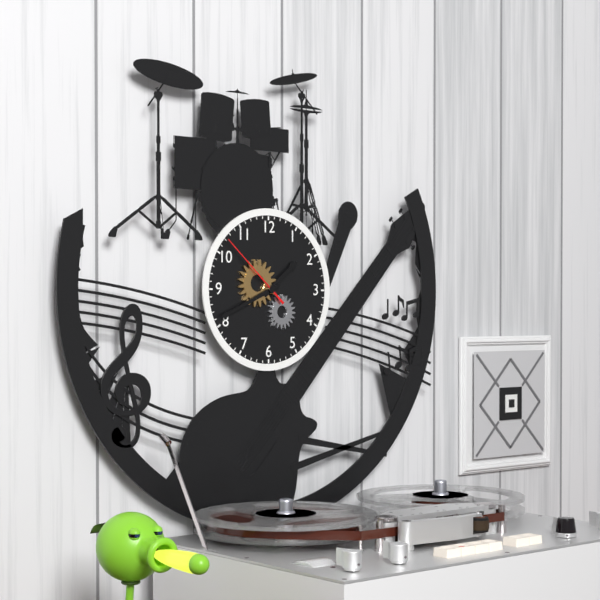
h=1 m=41 s=52
